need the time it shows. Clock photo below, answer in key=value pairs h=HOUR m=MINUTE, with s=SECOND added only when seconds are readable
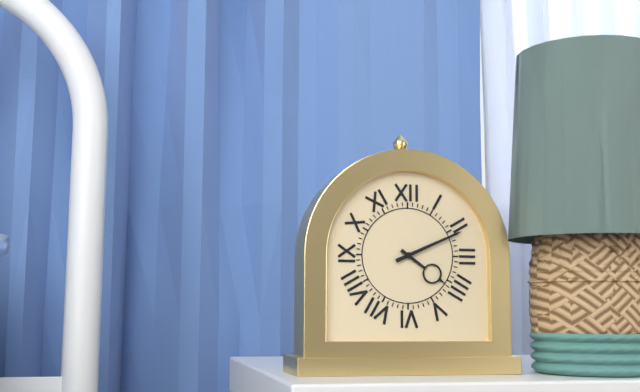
h=4 m=11
